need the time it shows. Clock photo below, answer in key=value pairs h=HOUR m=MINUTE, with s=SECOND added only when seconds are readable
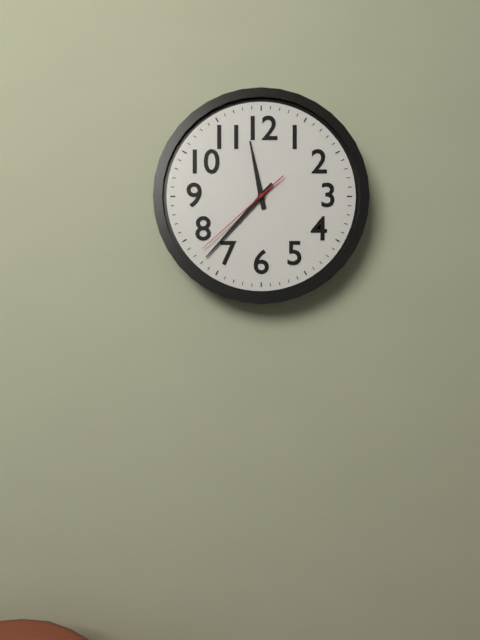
h=11 m=37 s=38
